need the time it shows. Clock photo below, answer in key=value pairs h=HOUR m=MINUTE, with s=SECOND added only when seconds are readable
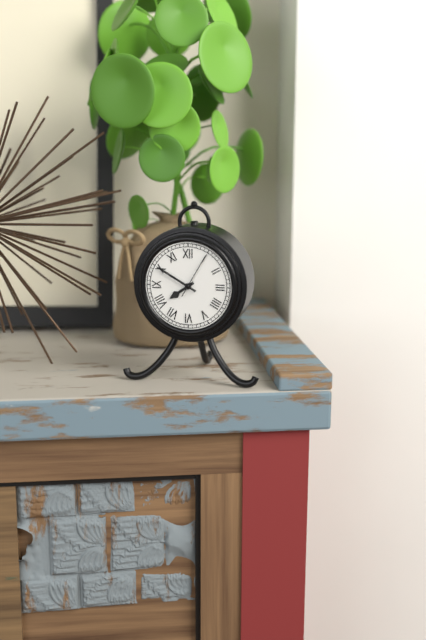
h=7 m=50
